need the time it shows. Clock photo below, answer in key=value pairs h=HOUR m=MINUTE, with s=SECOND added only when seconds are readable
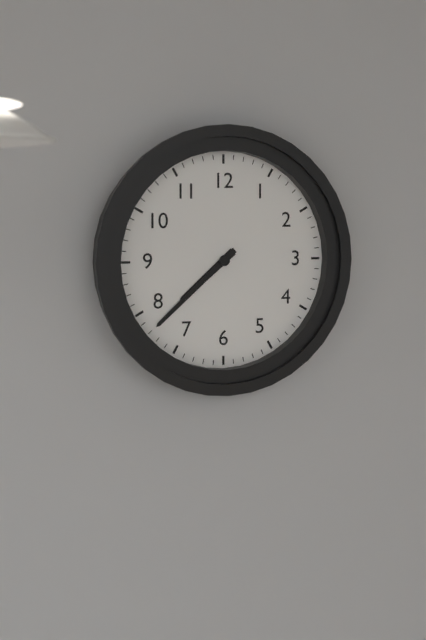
h=7 m=38
